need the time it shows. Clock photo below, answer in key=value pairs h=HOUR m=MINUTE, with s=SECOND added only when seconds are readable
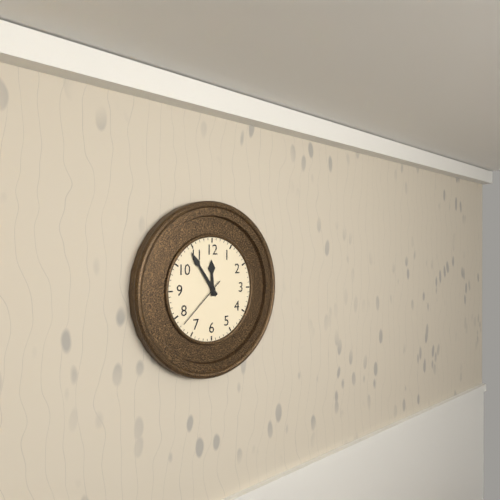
h=11 m=54 s=38
